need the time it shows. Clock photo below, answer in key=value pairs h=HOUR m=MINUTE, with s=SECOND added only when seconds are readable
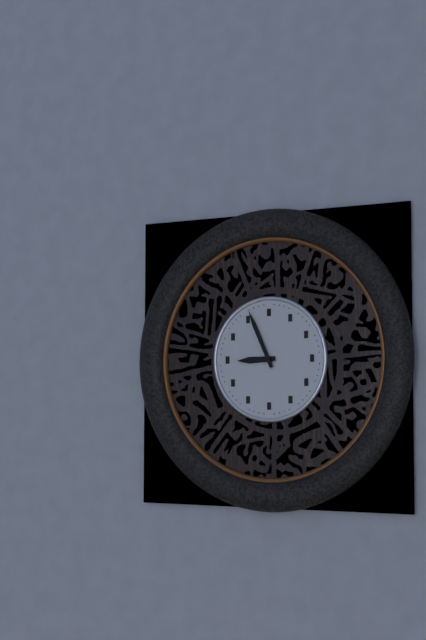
h=8 m=56
